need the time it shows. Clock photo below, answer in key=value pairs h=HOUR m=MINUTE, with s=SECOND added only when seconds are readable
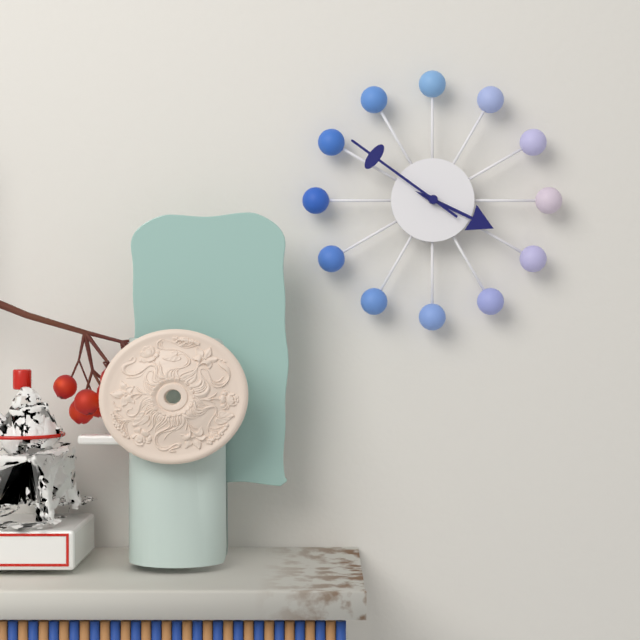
h=3 m=51
